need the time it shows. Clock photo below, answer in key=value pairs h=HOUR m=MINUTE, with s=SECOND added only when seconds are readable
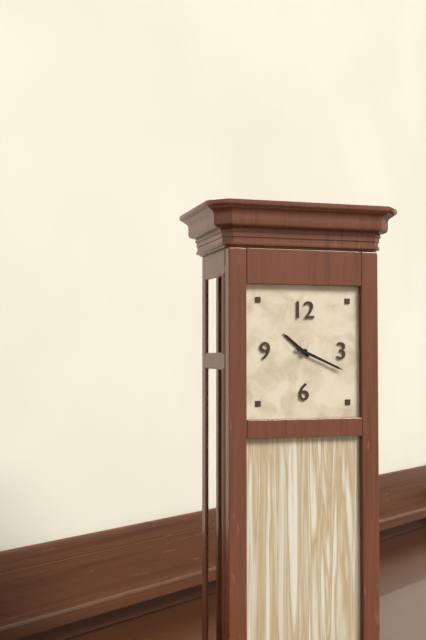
h=10 m=19
